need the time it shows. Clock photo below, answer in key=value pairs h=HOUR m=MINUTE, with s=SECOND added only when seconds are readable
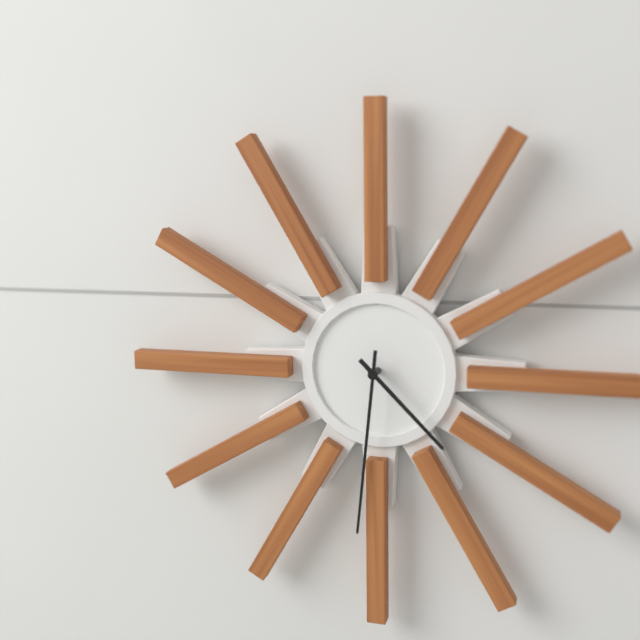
h=4 m=31
